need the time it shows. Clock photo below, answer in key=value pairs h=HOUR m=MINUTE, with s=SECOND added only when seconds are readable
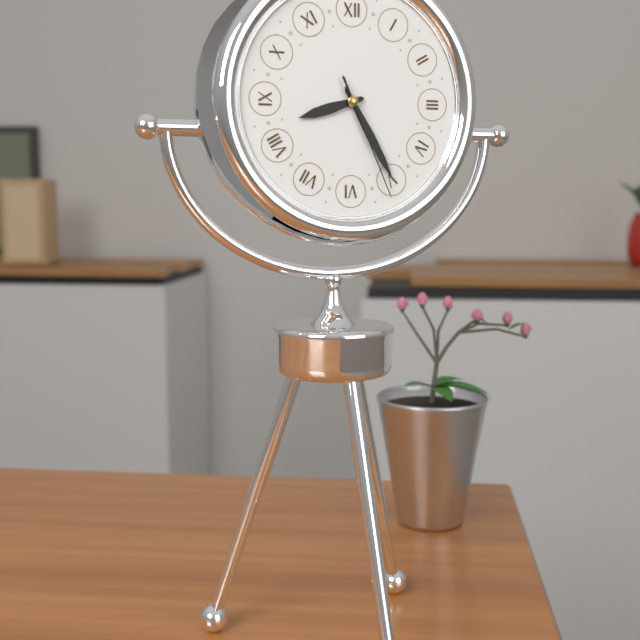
h=8 m=25 s=26
